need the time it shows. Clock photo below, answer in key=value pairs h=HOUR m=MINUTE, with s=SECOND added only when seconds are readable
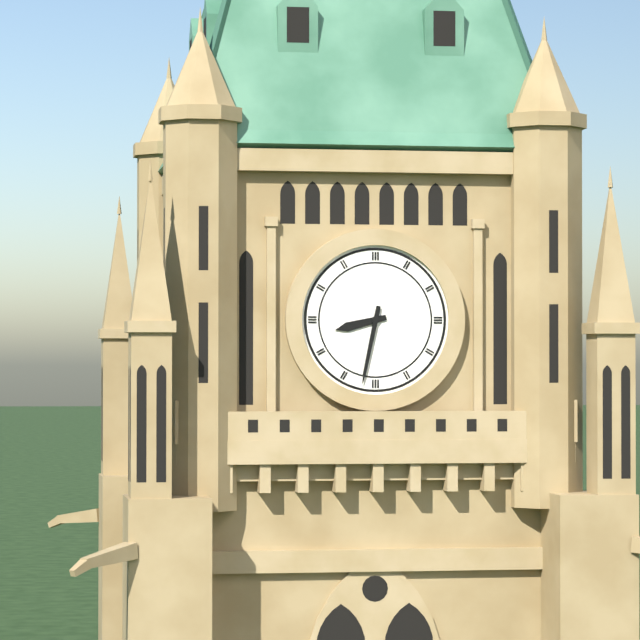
h=8 m=32
